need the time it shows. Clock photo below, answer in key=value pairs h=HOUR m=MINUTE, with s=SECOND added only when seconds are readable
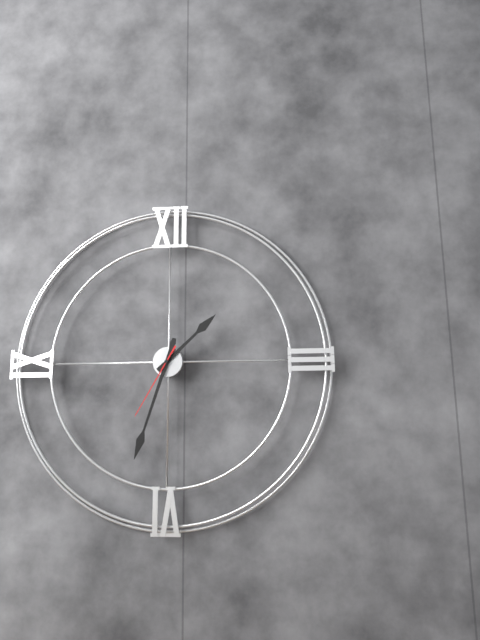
h=1 m=33 s=35
